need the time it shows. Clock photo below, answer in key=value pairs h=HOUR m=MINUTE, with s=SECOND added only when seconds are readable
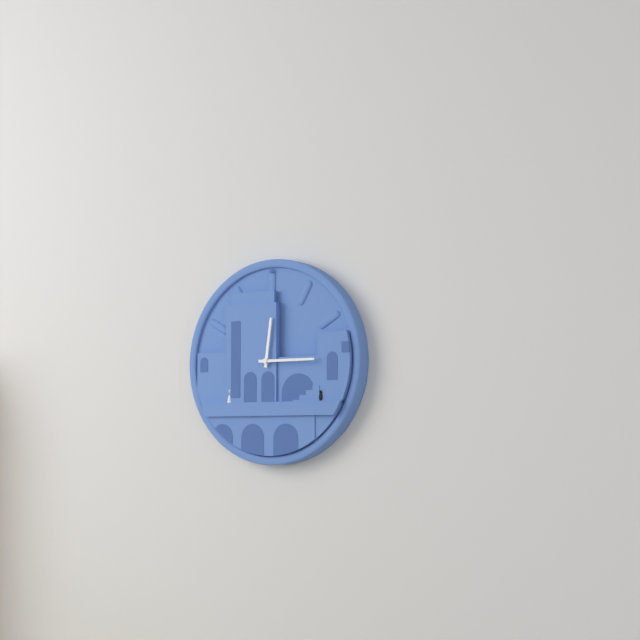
h=12 m=15
